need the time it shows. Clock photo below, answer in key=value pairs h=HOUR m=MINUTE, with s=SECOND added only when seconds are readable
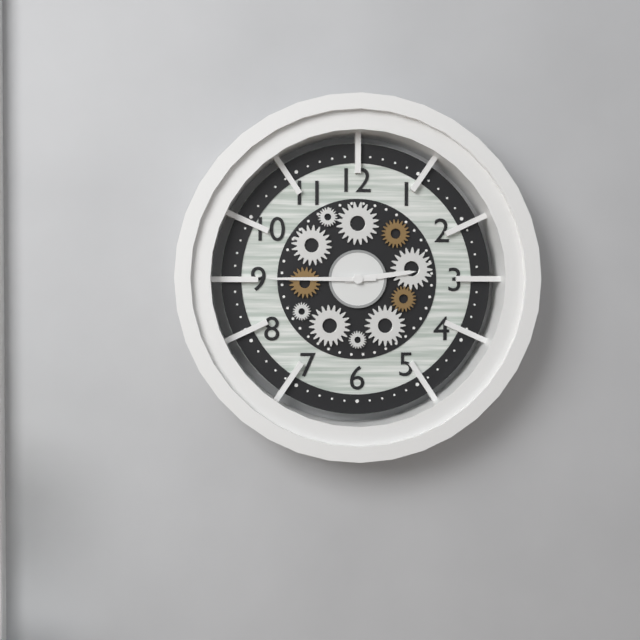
h=2 m=45
